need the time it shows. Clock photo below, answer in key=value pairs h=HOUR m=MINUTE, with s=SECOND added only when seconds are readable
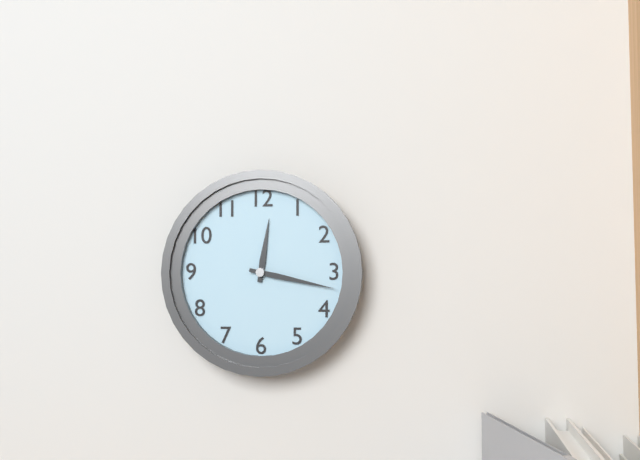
h=12 m=17
